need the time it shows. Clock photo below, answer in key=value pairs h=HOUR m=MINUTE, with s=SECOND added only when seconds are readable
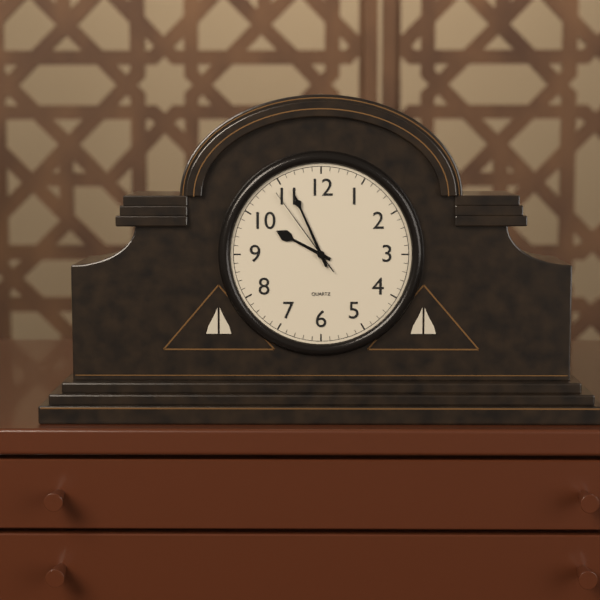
h=9 m=56 s=54
